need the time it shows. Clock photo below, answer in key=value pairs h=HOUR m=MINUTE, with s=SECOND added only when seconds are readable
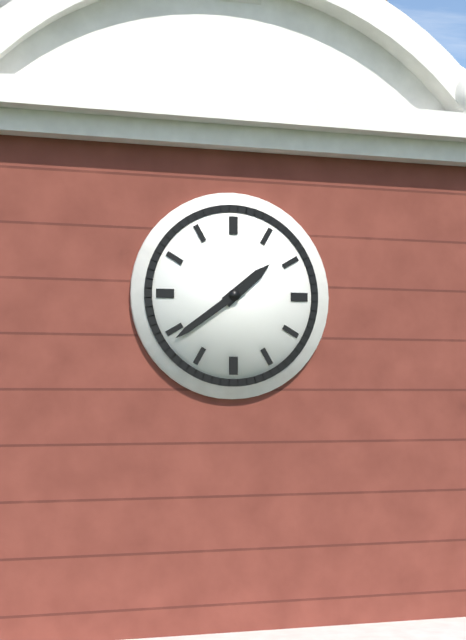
h=1 m=39
